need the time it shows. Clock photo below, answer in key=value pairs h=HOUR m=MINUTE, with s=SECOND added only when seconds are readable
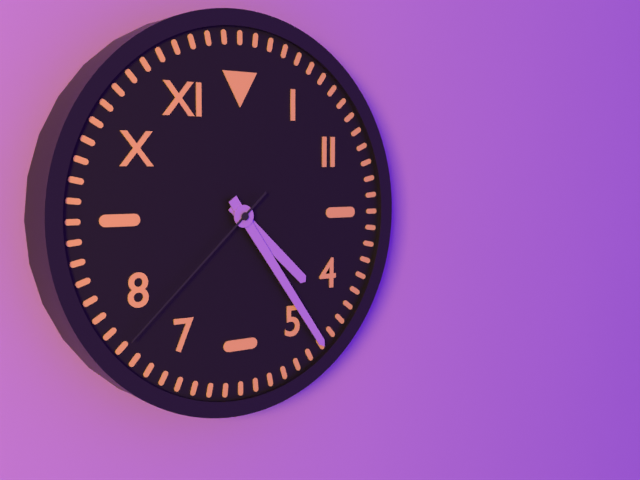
h=4 m=24 s=38
